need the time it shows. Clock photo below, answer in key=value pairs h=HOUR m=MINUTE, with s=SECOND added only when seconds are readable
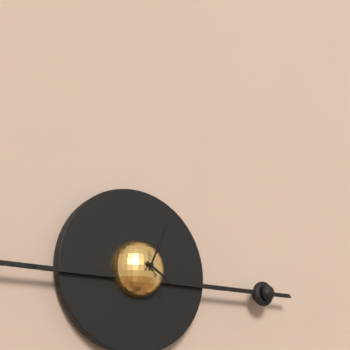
h=4 m=4
